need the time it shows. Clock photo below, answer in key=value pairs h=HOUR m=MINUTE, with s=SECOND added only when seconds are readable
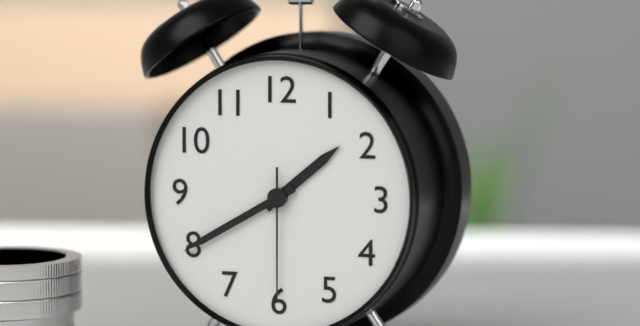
h=1 m=40 s=30
